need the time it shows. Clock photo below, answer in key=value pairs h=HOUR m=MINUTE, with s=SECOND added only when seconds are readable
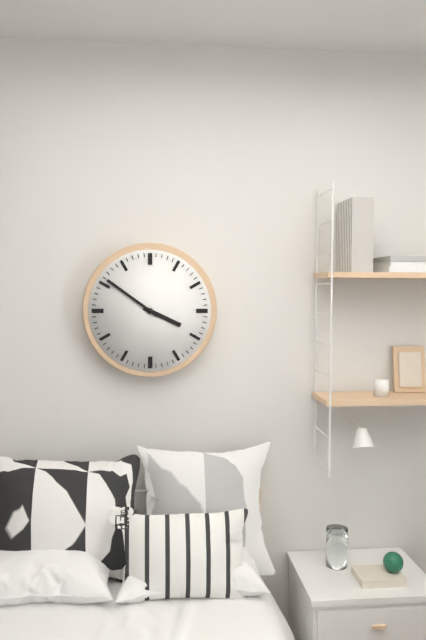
h=3 m=51
